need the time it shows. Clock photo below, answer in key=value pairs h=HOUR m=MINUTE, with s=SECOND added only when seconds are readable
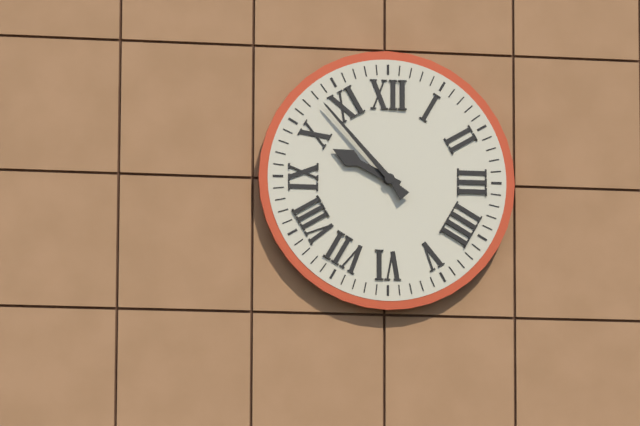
h=9 m=53
